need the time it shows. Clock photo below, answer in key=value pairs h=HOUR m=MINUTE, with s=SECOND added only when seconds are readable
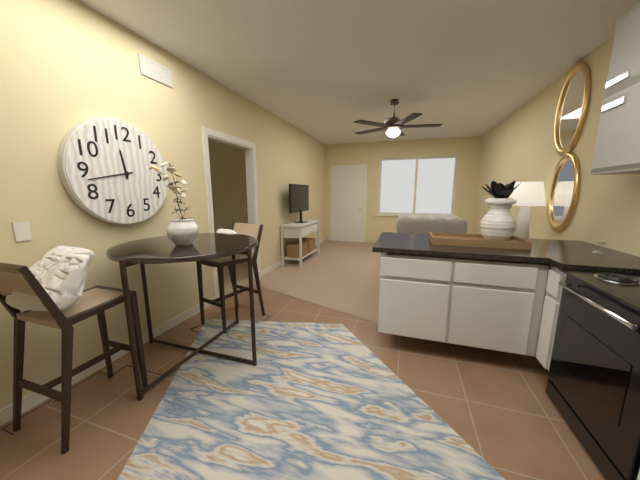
h=11 m=43
